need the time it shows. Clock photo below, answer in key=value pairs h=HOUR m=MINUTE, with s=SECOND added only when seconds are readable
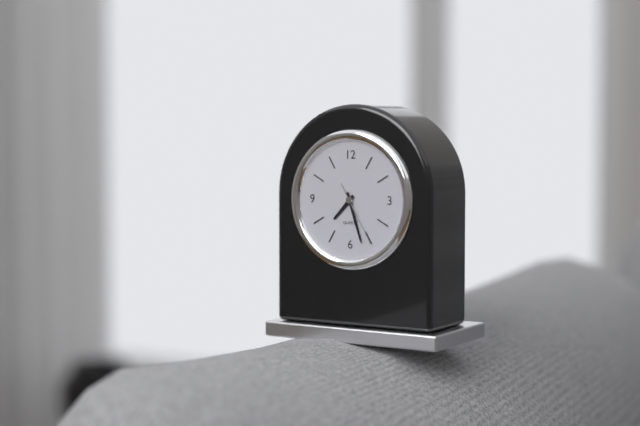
h=7 m=27 s=25
